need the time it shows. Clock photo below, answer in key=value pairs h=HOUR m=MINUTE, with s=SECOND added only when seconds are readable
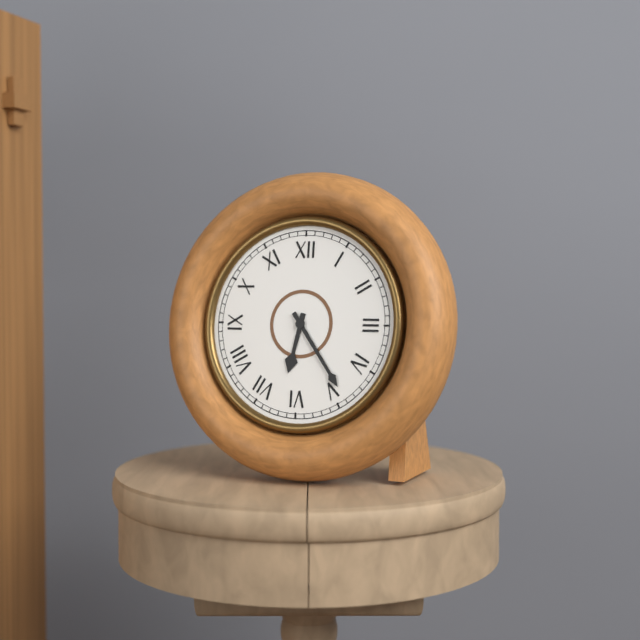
h=6 m=24
